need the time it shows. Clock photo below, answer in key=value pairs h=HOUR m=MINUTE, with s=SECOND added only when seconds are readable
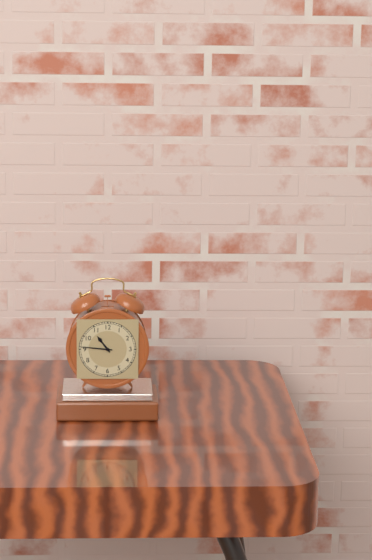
h=10 m=46
